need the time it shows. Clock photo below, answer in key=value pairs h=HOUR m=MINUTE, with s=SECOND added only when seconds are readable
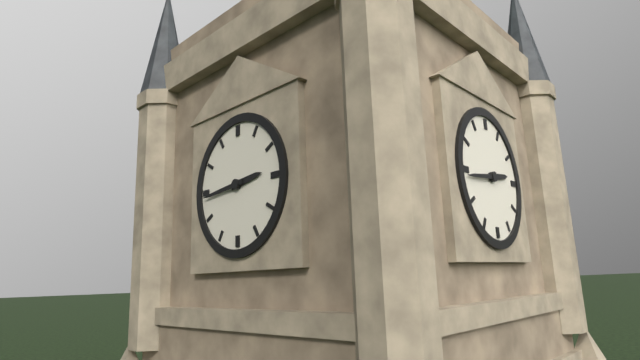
h=2 m=44
